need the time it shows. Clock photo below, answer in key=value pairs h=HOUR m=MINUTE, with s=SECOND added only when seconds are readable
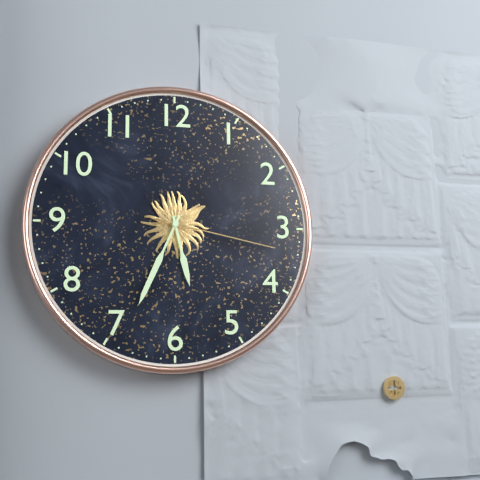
h=5 m=34 s=17
